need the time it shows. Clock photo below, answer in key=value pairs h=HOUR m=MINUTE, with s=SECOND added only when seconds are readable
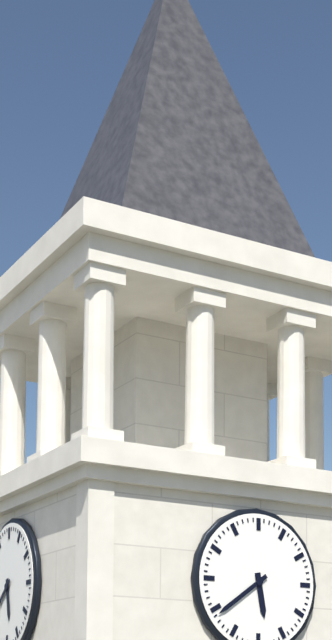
h=5 m=39
